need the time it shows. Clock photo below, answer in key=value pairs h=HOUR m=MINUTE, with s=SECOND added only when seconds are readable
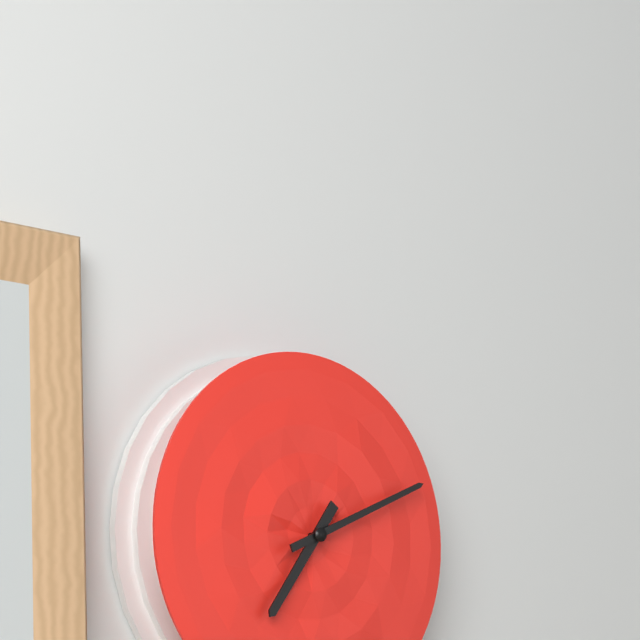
h=7 m=11
